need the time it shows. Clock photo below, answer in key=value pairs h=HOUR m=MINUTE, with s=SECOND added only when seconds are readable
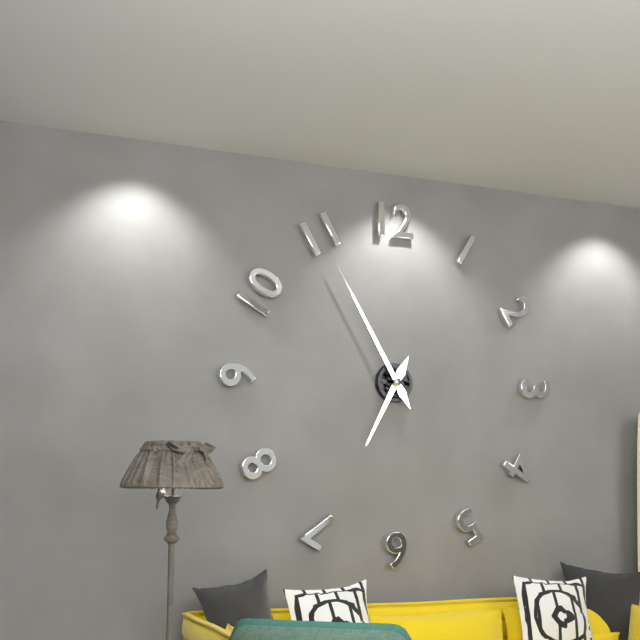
h=6 m=55
